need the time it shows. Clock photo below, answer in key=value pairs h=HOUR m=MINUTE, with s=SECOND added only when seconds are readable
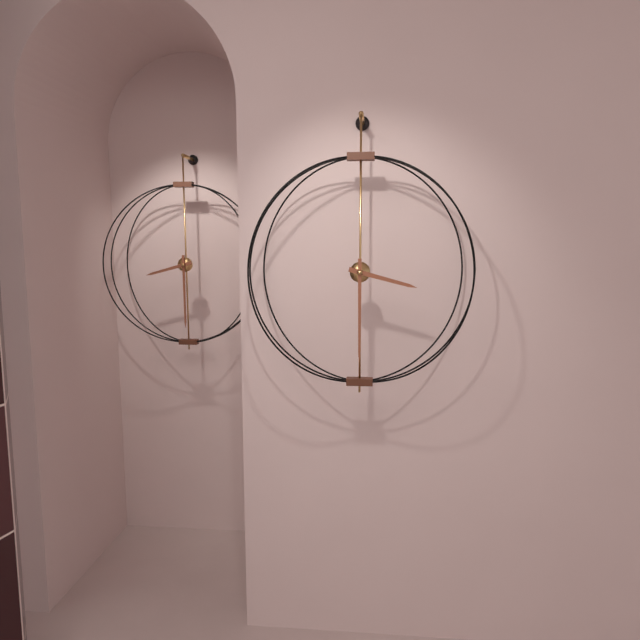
h=3 m=30
